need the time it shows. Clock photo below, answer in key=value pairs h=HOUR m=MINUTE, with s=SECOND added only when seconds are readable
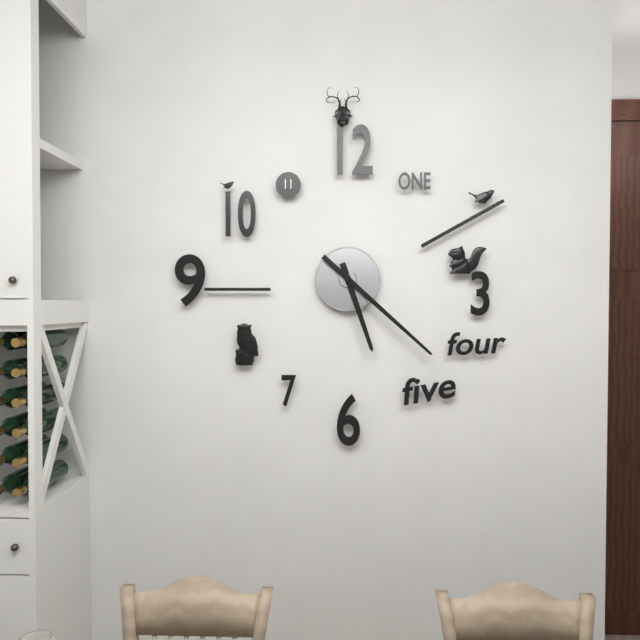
h=5 m=22
